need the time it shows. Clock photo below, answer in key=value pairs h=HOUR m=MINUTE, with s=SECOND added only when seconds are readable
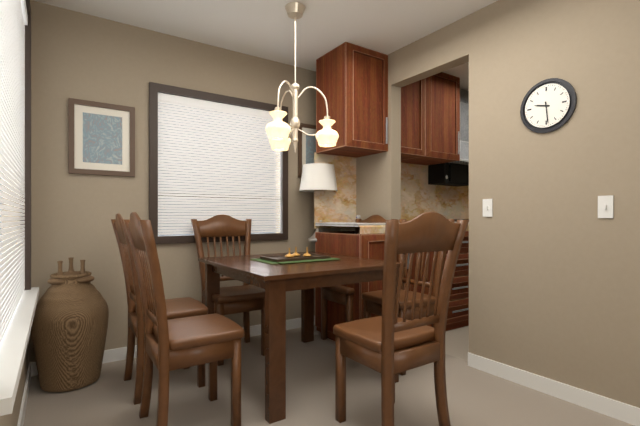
h=9 m=29
